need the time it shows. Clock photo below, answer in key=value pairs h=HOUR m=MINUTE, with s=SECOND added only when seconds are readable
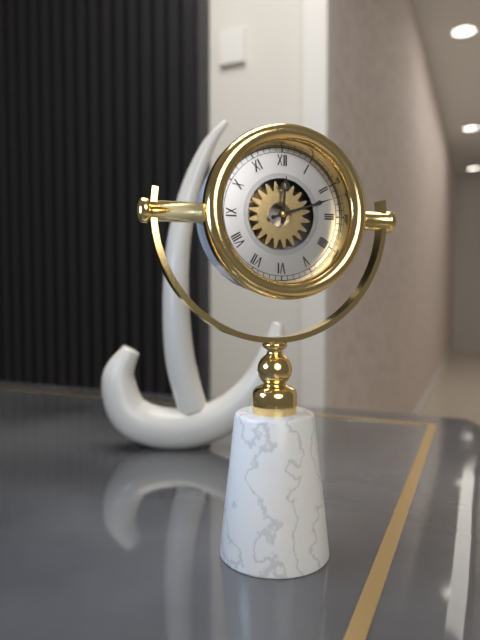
h=12 m=12
